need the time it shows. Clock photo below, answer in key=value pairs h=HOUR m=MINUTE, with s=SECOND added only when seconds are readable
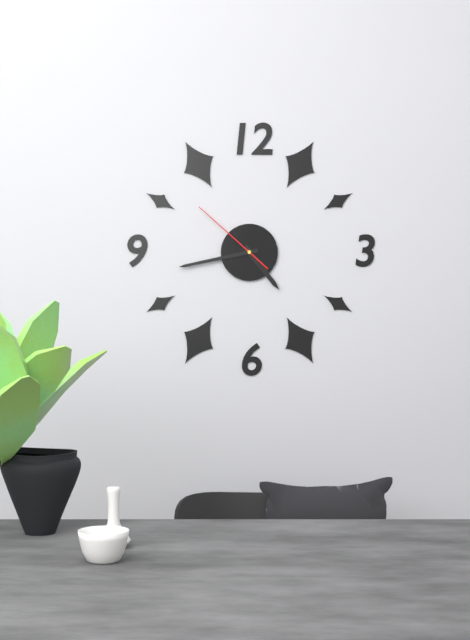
h=4 m=43 s=52
